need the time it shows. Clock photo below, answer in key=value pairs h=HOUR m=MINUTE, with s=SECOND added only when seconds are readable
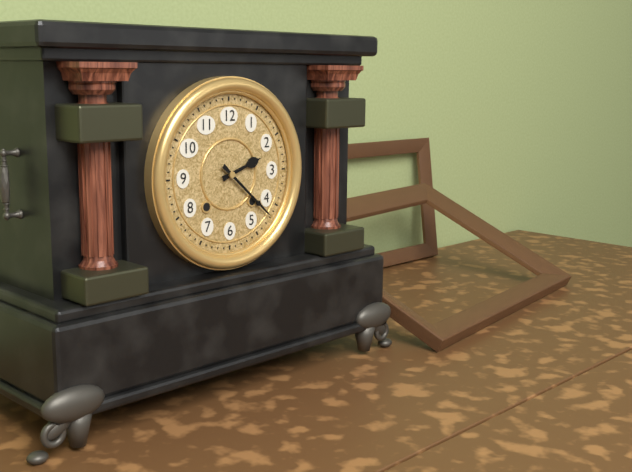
h=2 m=22
